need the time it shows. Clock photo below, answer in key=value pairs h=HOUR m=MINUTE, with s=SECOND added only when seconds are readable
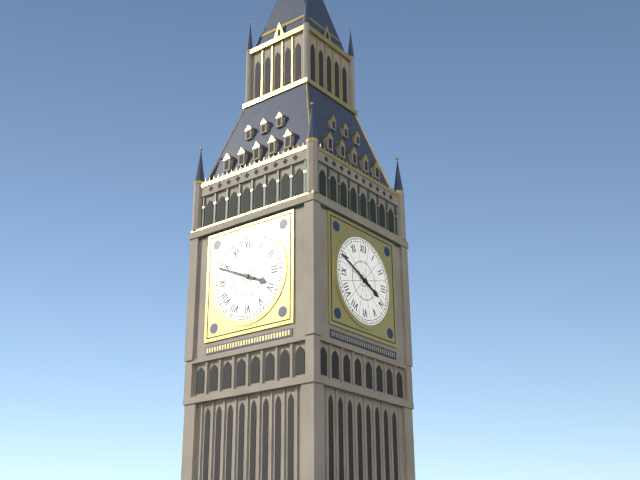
h=3 m=49
